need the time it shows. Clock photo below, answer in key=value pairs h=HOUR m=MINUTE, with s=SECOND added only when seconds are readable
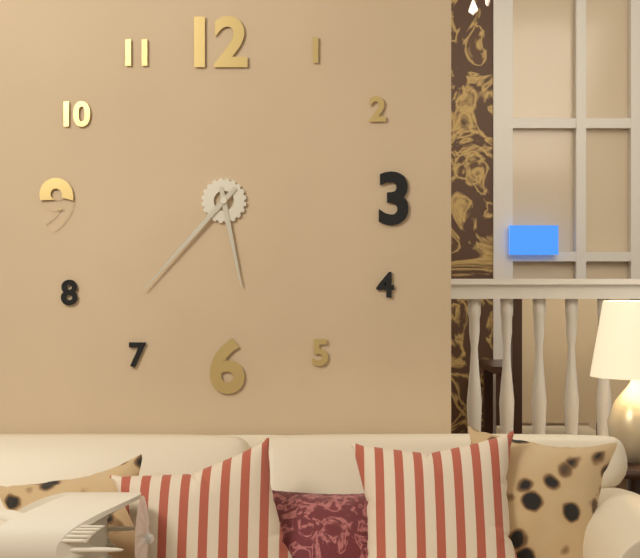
h=5 m=37
